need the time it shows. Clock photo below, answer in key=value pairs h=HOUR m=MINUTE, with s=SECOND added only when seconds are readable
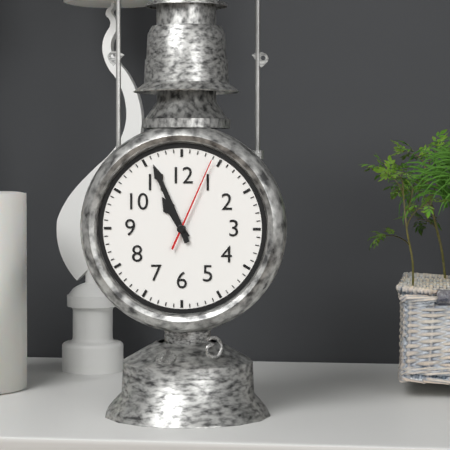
h=10 m=56 s=4
